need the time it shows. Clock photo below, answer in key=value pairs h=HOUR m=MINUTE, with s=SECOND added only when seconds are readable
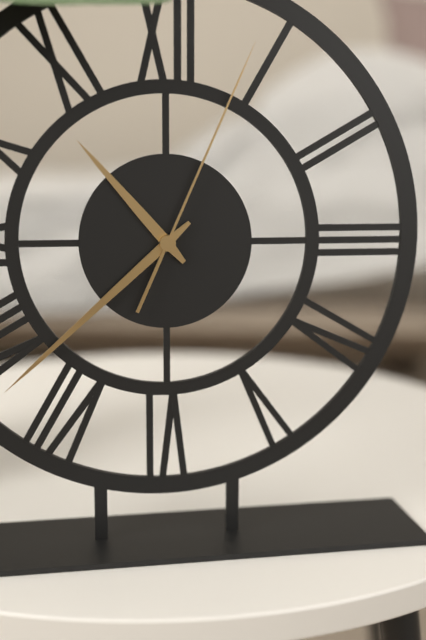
h=10 m=38 s=4
